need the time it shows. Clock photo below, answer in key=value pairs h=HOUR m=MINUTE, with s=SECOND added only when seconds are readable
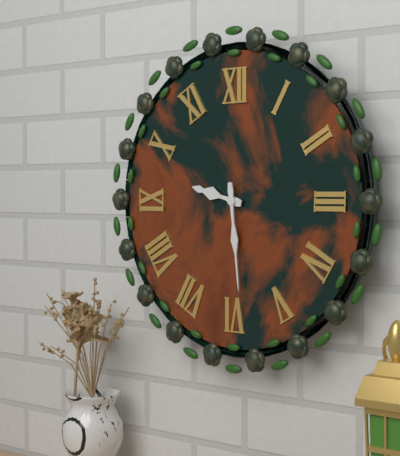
h=9 m=29
